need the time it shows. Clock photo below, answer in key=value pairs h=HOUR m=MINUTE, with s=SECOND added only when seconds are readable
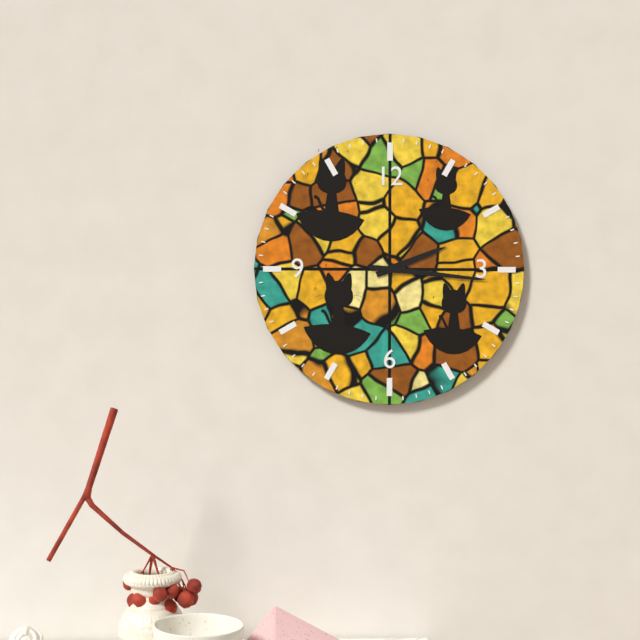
h=2 m=16
